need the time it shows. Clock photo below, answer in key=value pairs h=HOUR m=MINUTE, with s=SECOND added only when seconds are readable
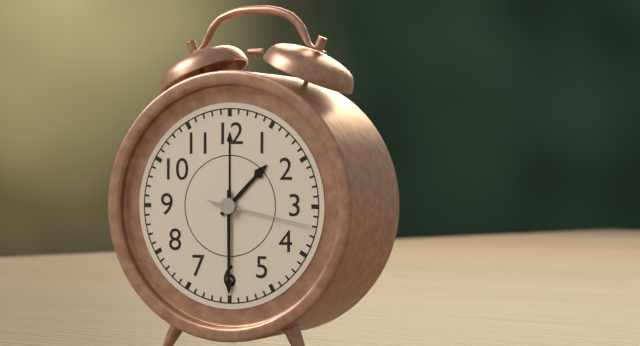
h=1 m=30 s=17
